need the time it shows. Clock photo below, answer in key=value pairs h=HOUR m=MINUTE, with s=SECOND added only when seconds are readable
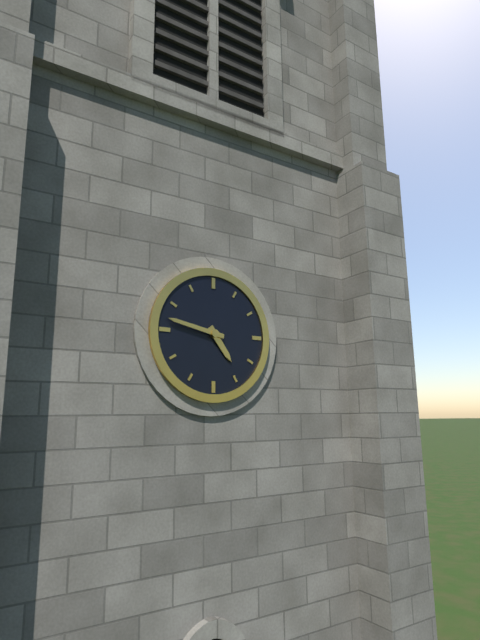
h=4 m=47
